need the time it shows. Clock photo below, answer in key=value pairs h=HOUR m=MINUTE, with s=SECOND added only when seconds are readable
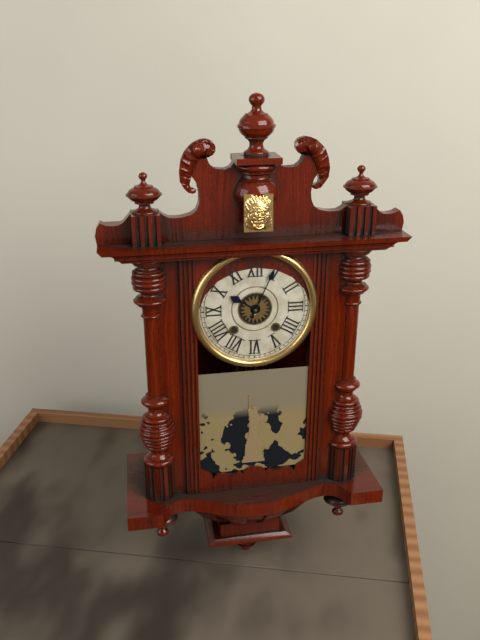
h=10 m=4
